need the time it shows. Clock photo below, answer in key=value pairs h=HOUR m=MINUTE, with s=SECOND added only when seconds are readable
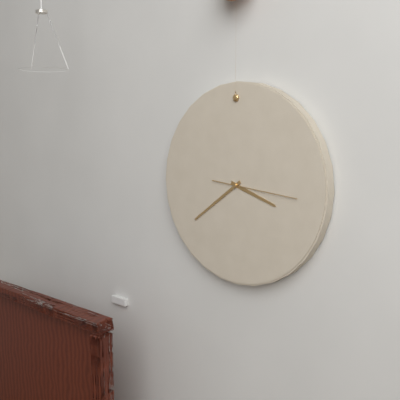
h=3 m=39 s=16
